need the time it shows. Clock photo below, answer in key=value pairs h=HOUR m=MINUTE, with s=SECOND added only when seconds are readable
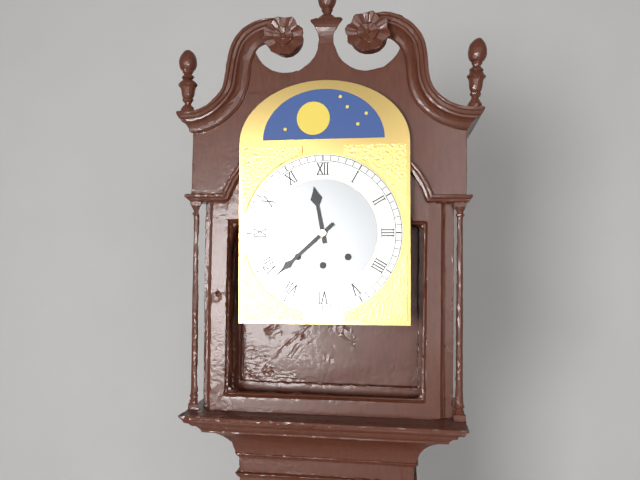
h=11 m=38
